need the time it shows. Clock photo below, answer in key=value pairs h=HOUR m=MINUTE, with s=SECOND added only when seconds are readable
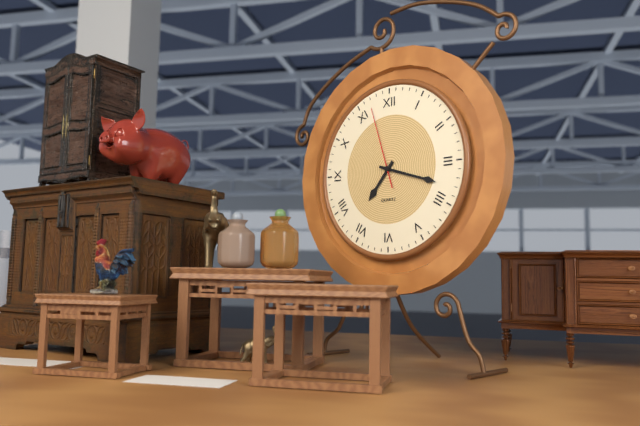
h=7 m=18 s=57
